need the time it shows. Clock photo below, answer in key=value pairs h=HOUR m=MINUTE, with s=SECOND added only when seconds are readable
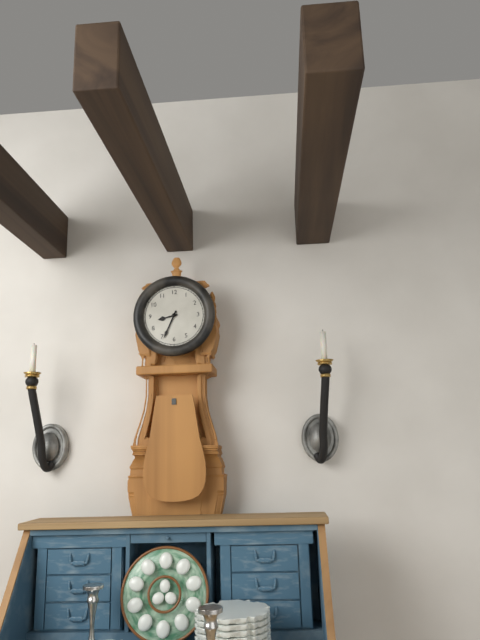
h=8 m=34
